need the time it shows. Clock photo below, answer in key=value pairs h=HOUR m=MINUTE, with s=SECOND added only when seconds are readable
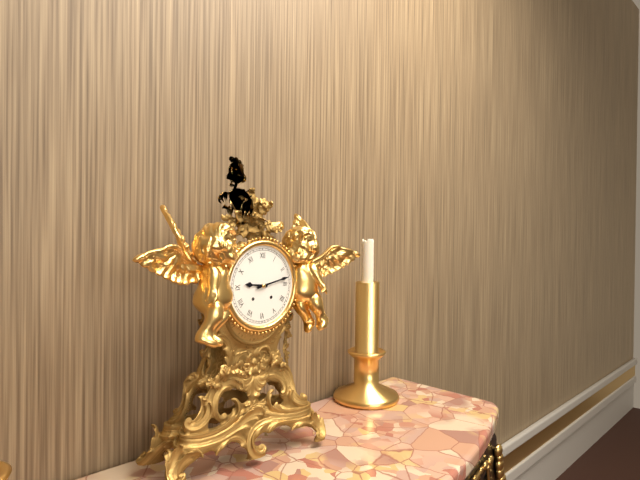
h=9 m=13
